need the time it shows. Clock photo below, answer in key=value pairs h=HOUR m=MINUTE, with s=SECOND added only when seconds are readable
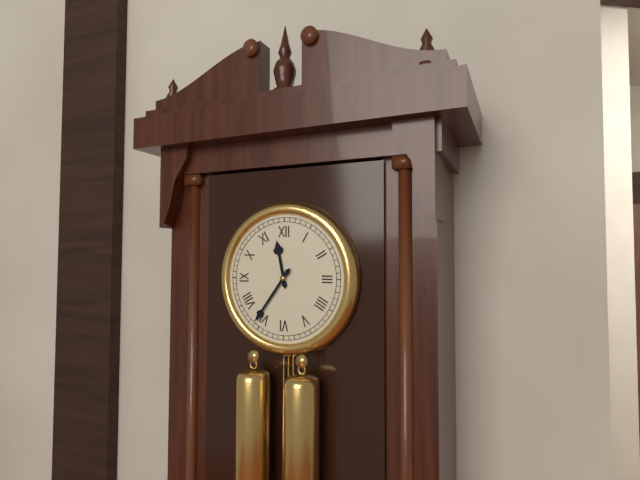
h=11 m=36
